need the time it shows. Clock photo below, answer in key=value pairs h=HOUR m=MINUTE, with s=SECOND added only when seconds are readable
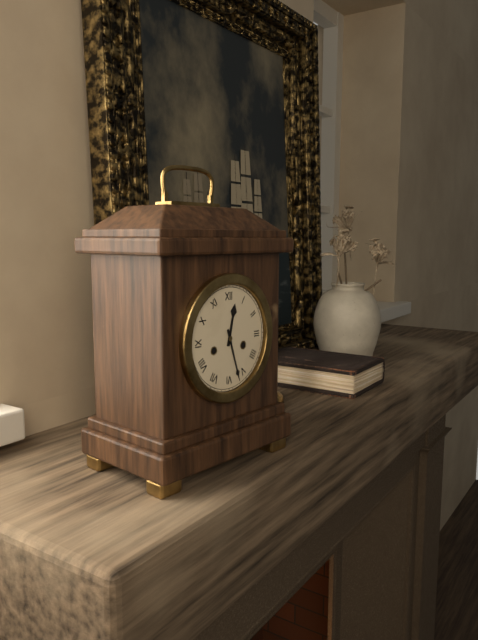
h=12 m=27
